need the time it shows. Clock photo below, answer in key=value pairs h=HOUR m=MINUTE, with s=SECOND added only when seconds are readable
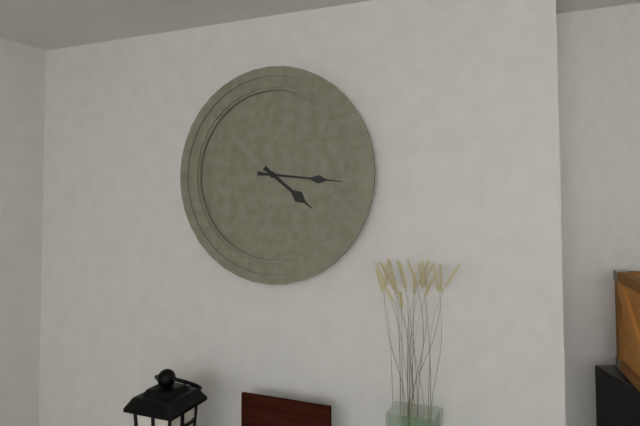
h=4 m=16
